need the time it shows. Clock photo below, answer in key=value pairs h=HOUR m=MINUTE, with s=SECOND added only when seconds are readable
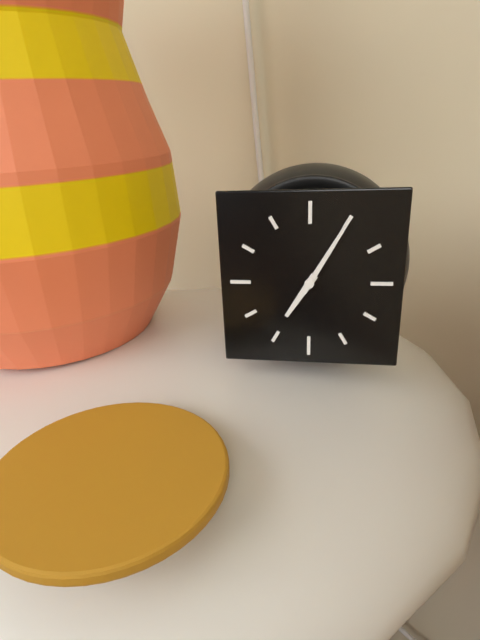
h=7 m=5
